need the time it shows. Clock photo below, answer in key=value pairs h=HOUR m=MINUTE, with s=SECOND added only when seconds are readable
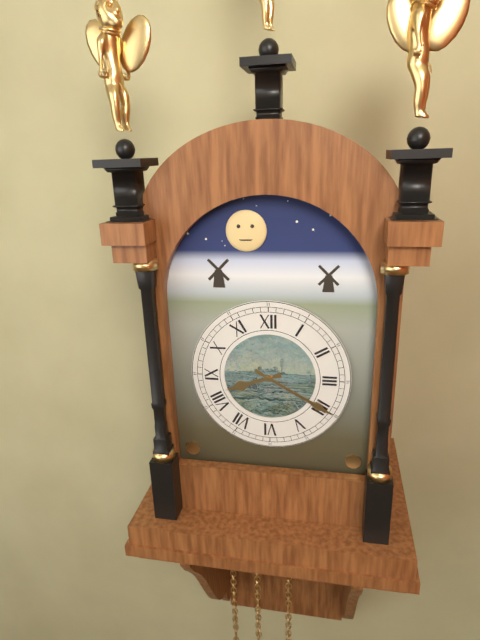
h=8 m=20
